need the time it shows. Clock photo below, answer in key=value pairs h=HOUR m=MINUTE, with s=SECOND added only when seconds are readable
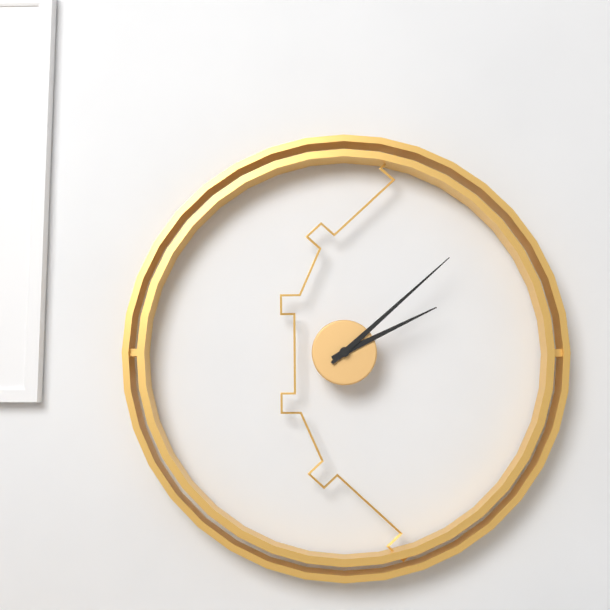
h=2 m=8
